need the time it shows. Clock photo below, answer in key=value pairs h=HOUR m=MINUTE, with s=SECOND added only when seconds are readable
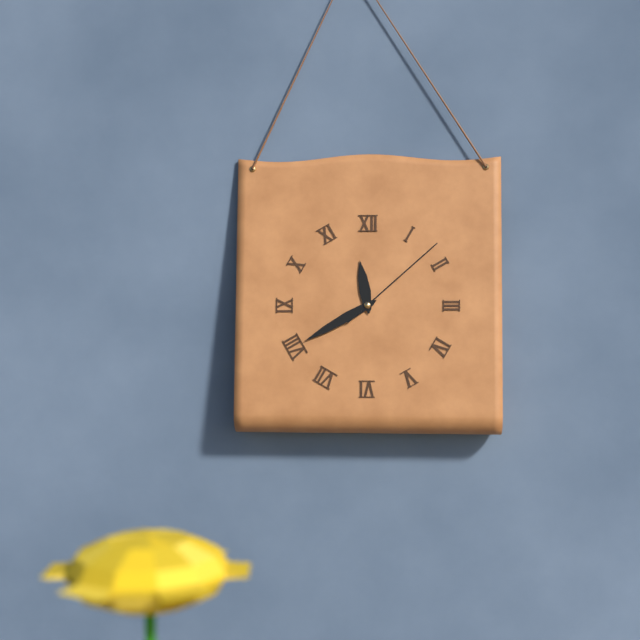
h=11 m=40 s=8
